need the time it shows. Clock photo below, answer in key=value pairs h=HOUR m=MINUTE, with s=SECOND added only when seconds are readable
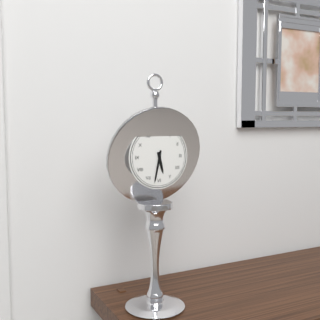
h=5 m=32
